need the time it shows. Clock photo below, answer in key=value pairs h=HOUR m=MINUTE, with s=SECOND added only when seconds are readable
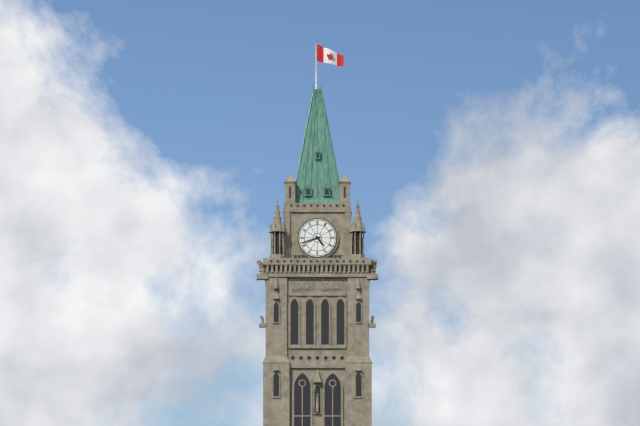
h=4 m=42
